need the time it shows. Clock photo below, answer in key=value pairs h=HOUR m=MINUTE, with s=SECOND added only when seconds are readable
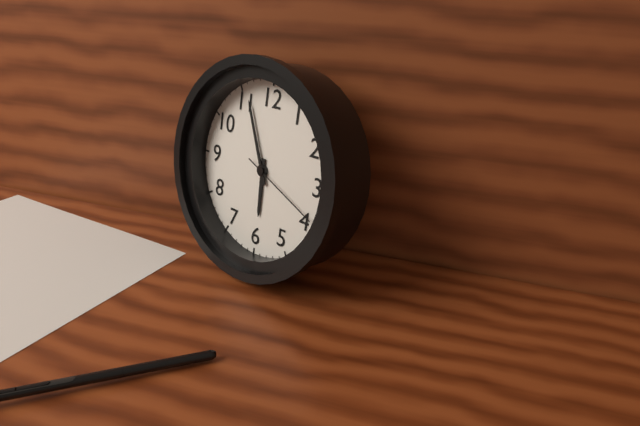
h=5 m=56 s=19
